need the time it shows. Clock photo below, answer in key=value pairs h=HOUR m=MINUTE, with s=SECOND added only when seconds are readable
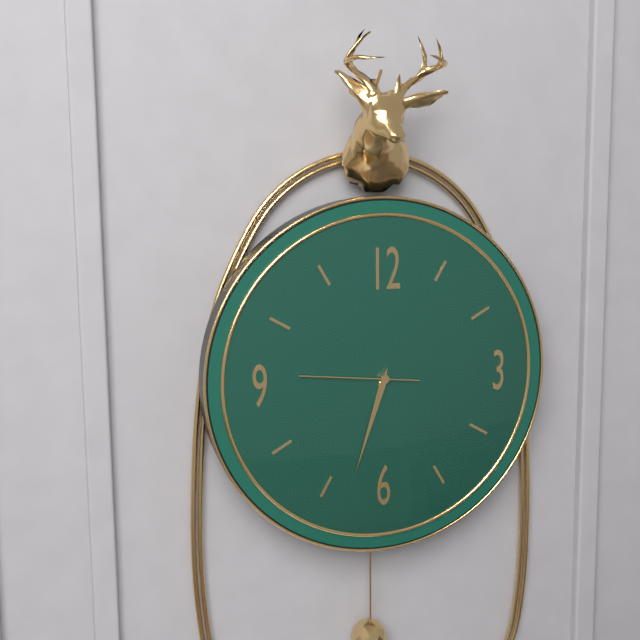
h=6 m=33 s=46
